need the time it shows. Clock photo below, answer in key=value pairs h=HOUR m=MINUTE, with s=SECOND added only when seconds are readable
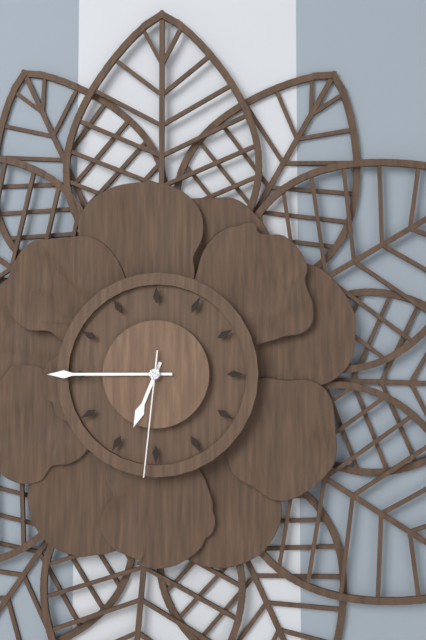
h=6 m=45 s=31
